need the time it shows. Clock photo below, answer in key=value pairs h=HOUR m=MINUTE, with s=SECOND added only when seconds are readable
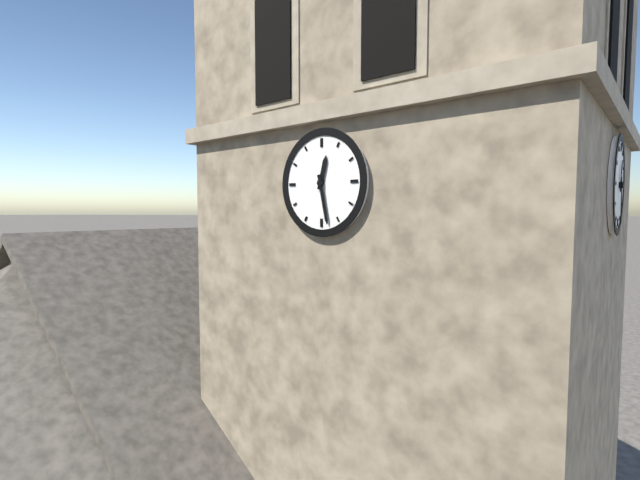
h=12 m=28
